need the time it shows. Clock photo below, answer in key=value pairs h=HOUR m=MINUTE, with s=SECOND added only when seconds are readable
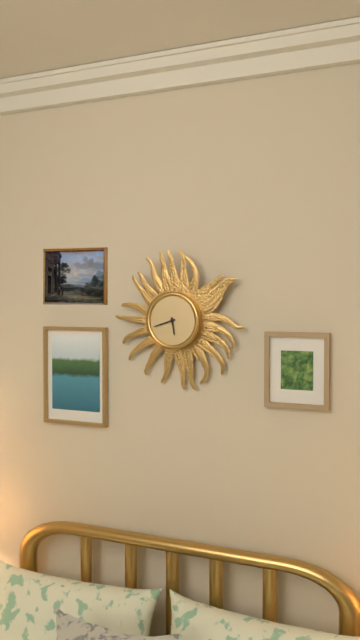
h=5 m=42
